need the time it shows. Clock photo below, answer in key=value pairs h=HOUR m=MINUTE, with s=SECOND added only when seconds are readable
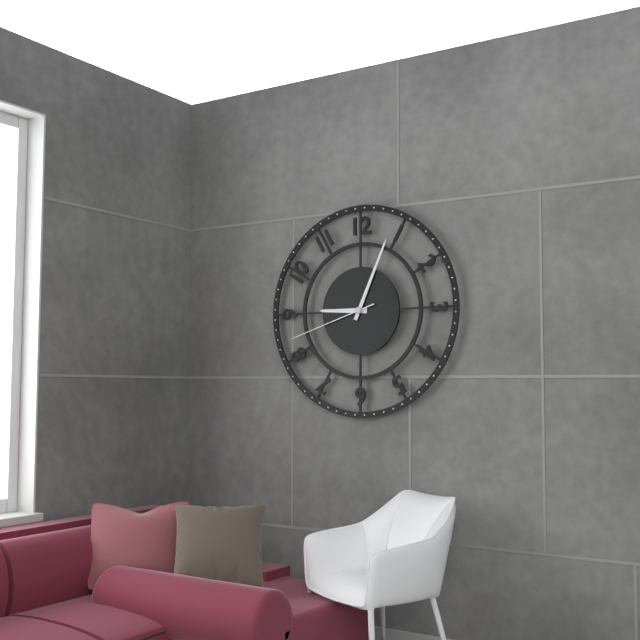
h=9 m=4 s=42
